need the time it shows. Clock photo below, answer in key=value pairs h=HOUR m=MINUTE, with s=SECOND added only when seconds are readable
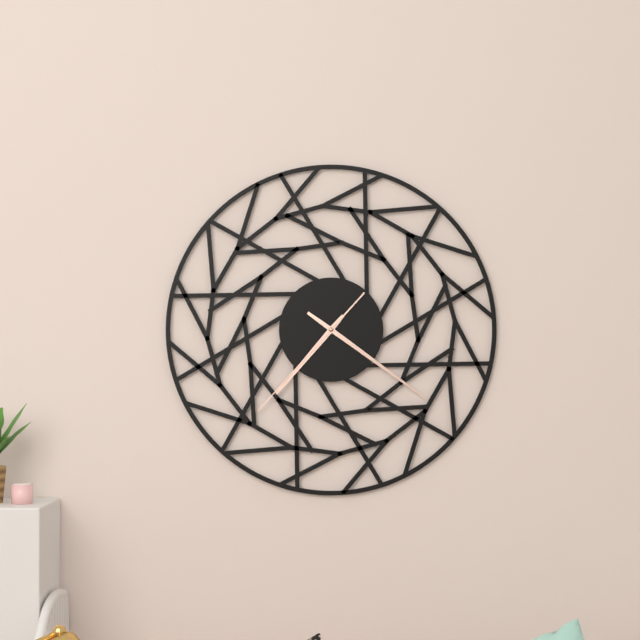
h=7 m=21 s=37
